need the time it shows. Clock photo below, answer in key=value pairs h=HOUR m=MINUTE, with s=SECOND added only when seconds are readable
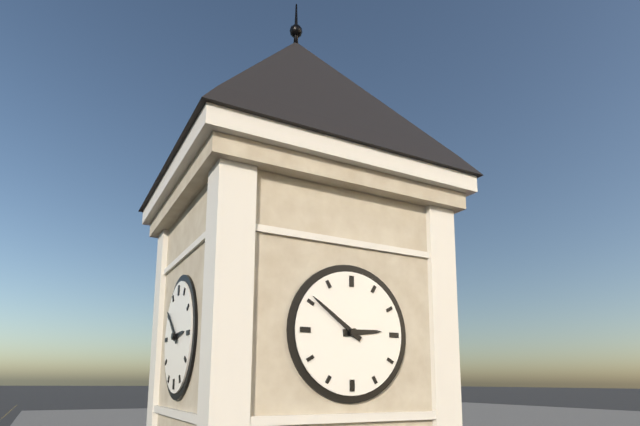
h=2 m=51
